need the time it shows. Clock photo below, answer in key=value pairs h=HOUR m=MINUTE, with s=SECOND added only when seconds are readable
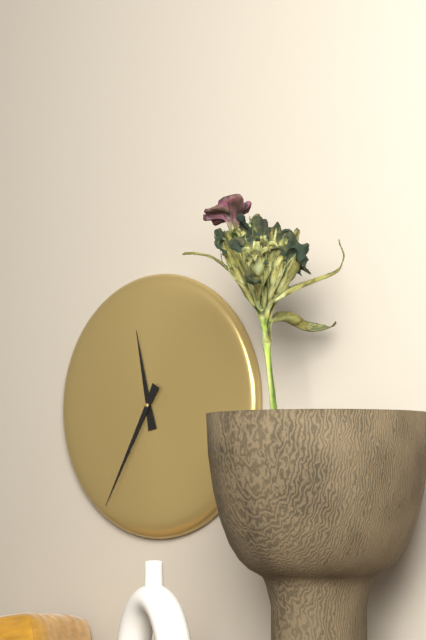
h=11 m=35
